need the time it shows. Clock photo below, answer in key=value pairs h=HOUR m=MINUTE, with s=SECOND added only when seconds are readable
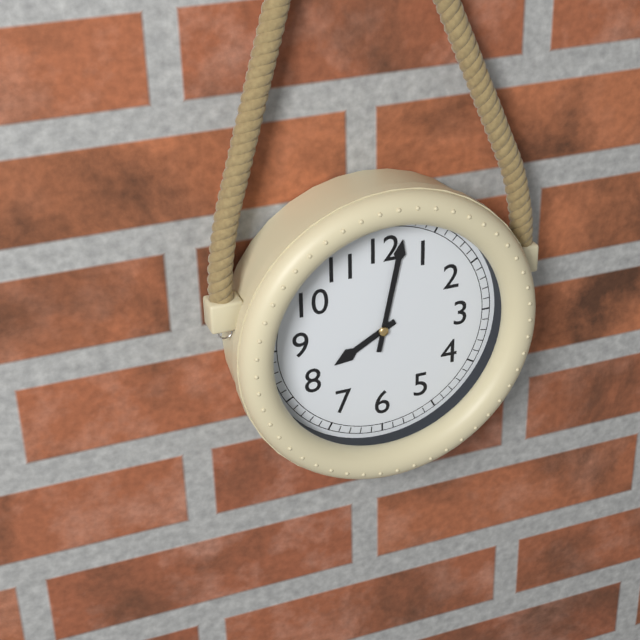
h=8 m=2
